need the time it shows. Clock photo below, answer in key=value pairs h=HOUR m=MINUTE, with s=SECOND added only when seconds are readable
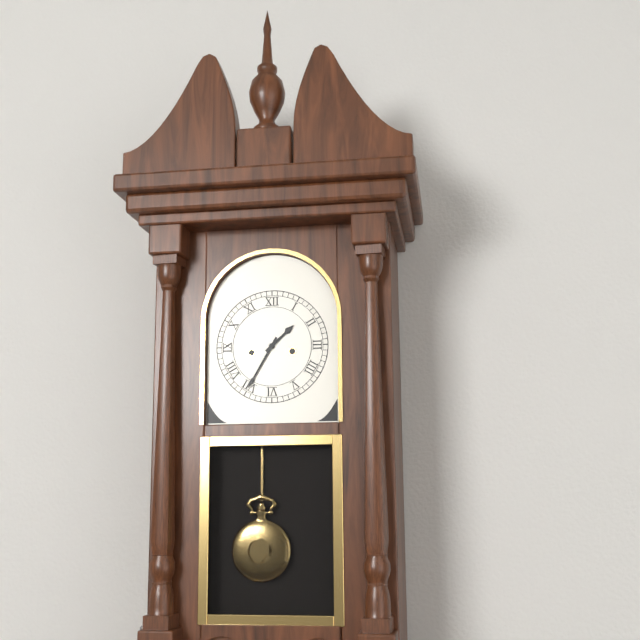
h=1 m=35
